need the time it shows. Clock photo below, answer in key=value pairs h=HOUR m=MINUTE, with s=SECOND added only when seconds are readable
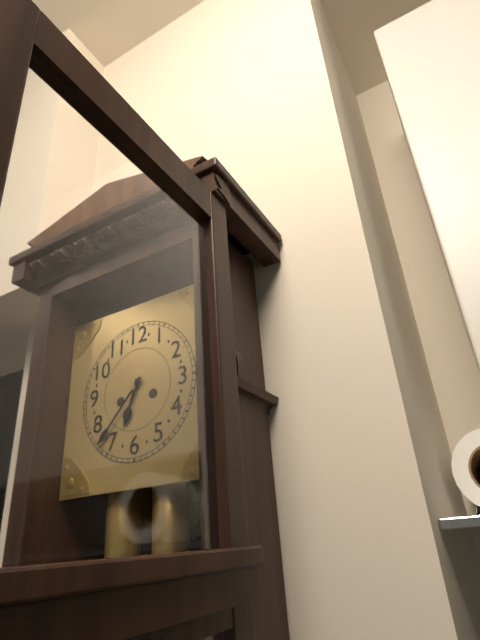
h=6 m=37
